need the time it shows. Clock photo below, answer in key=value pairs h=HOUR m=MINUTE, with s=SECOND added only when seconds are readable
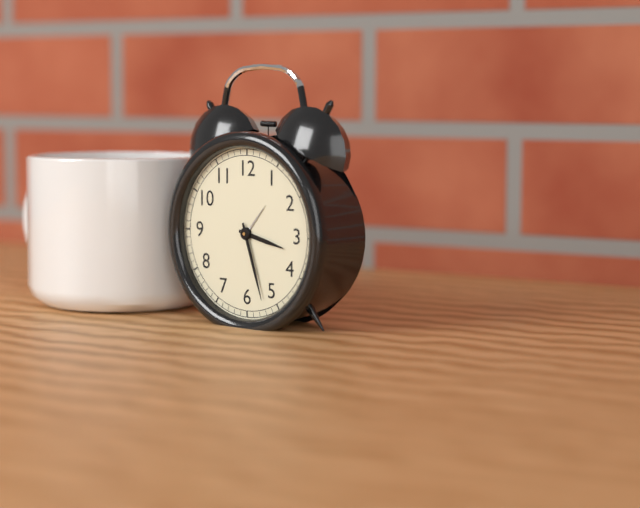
h=3 m=27
